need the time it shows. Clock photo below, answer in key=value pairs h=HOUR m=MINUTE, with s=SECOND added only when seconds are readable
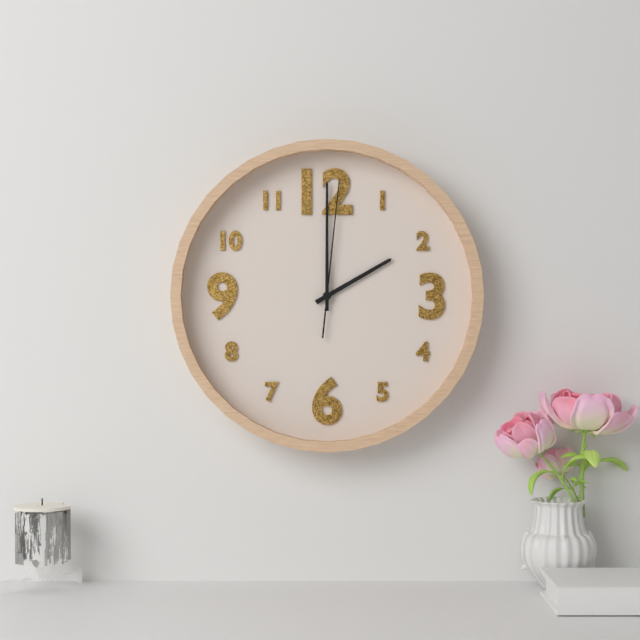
h=2 m=0 s=1
